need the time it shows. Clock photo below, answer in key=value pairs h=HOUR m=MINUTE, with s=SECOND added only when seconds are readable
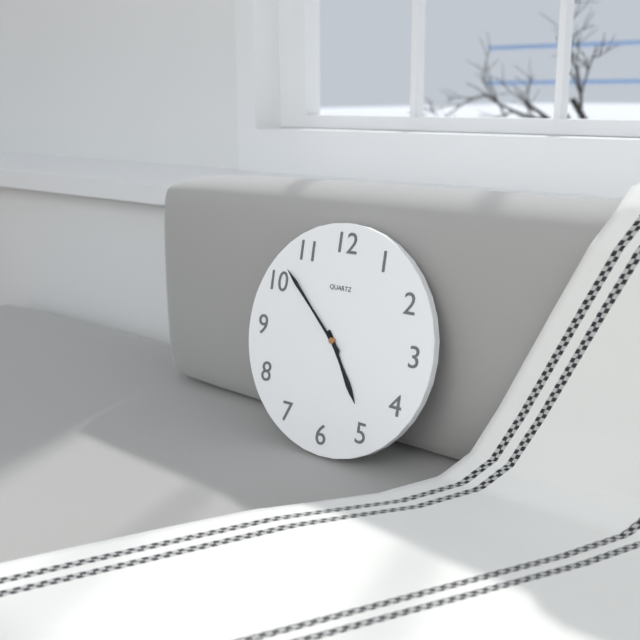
h=4 m=52
